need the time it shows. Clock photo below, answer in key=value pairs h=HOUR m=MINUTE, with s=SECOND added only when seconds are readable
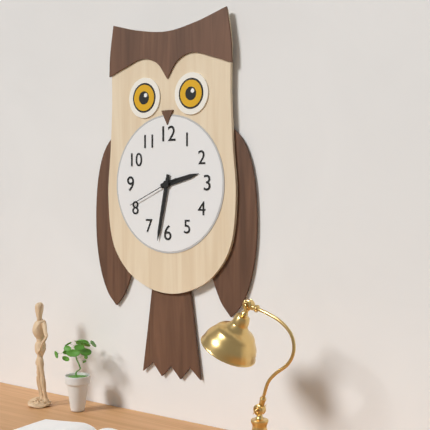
h=2 m=32 s=41
